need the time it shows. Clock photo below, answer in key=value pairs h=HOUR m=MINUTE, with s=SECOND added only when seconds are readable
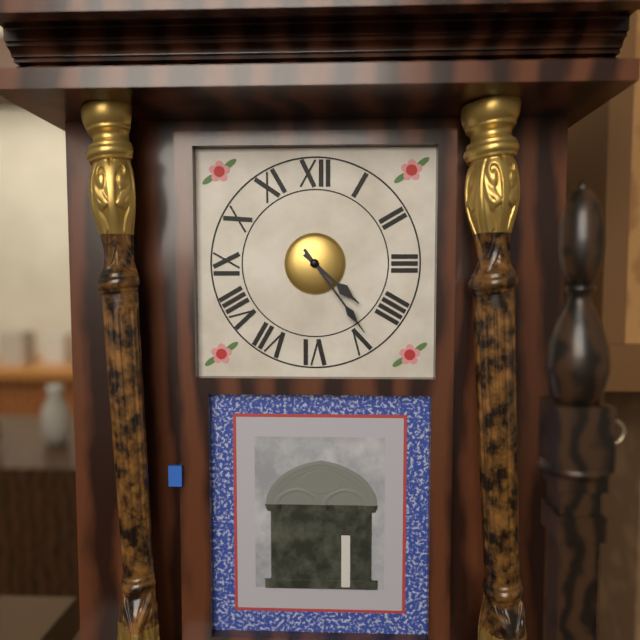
h=4 m=24
